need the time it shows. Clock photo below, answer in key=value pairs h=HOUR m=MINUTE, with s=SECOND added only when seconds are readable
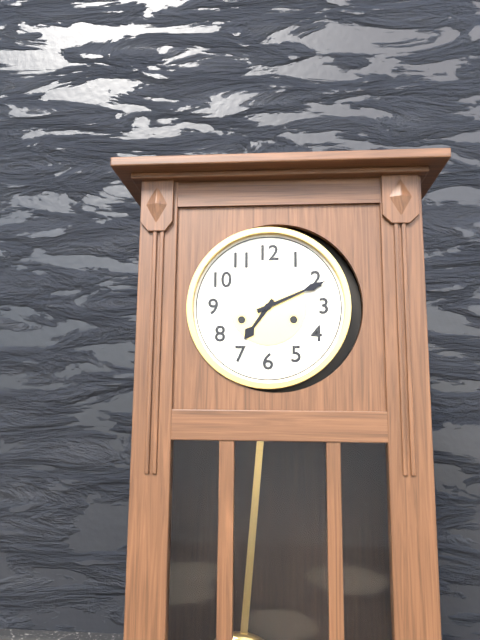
h=7 m=11
